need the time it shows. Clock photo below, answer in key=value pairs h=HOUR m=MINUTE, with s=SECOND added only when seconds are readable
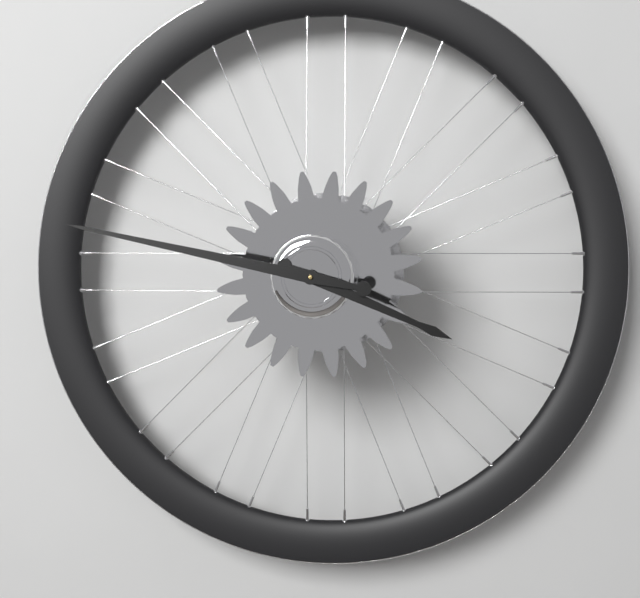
h=3 m=47
